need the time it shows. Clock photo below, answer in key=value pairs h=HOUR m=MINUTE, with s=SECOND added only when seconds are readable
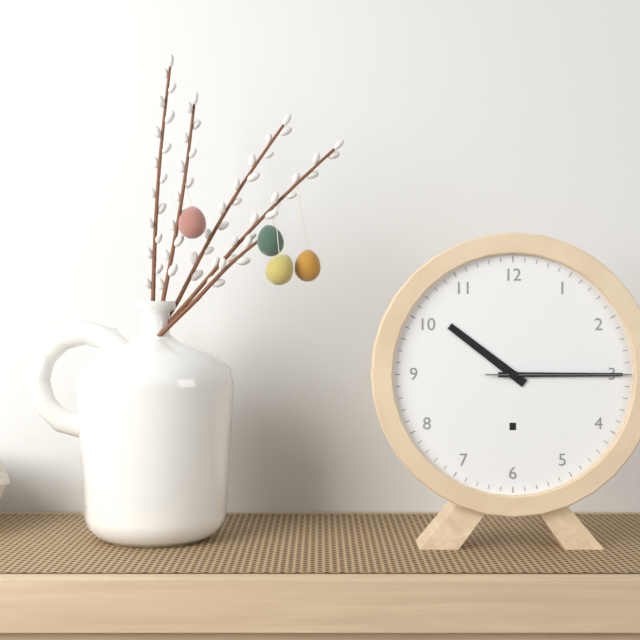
h=10 m=15 s=15
